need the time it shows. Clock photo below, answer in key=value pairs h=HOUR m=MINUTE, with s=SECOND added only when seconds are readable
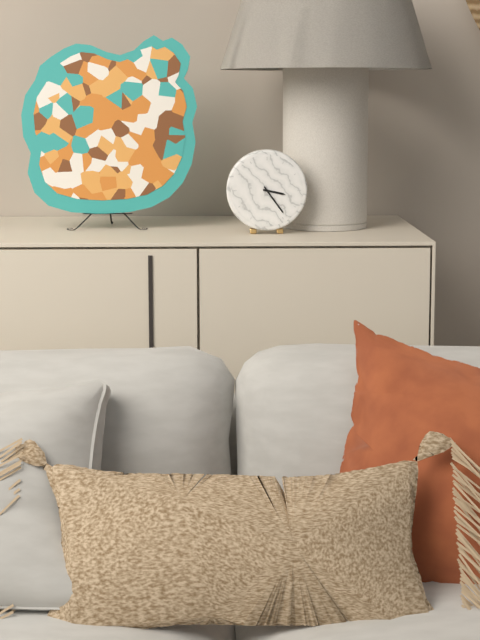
h=3 m=24
